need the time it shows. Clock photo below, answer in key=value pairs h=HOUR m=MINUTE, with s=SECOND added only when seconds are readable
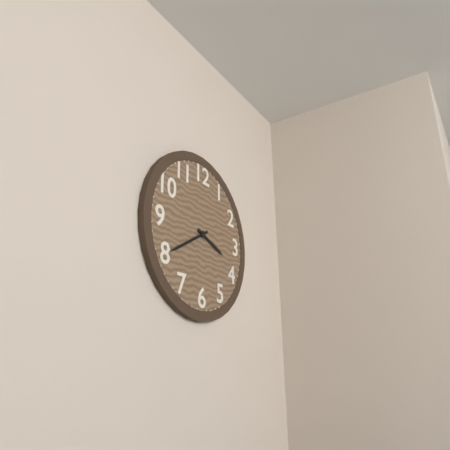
h=3 m=40
